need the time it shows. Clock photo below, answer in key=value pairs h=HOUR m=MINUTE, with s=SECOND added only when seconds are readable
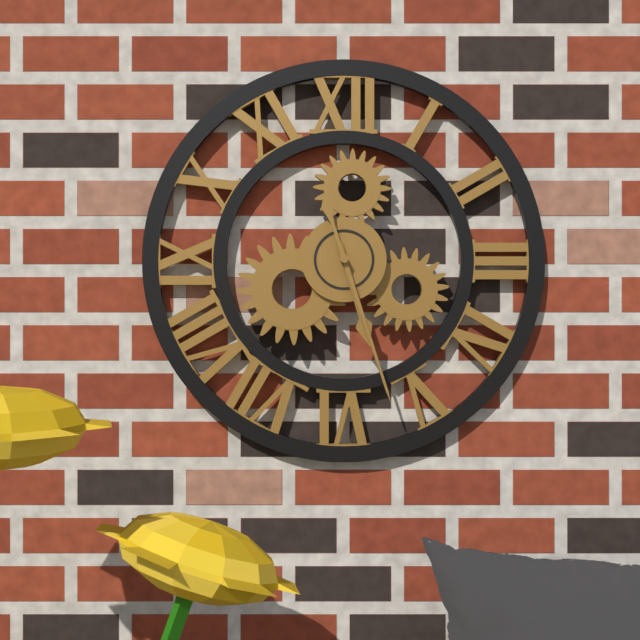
h=5 m=27
